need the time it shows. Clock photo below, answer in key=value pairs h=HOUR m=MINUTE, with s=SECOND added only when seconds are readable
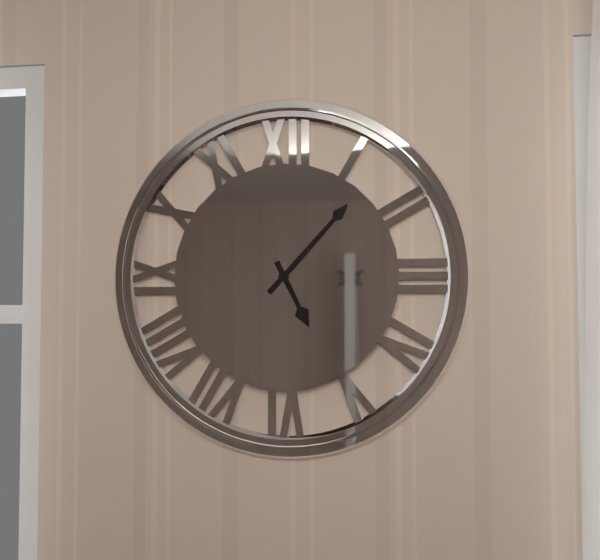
h=5 m=7
